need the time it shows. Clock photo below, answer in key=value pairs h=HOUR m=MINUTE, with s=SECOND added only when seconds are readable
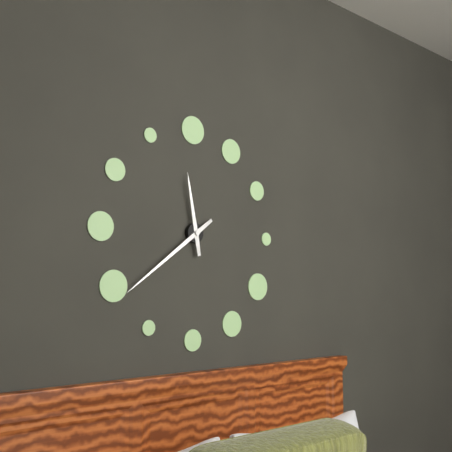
h=11 m=39
